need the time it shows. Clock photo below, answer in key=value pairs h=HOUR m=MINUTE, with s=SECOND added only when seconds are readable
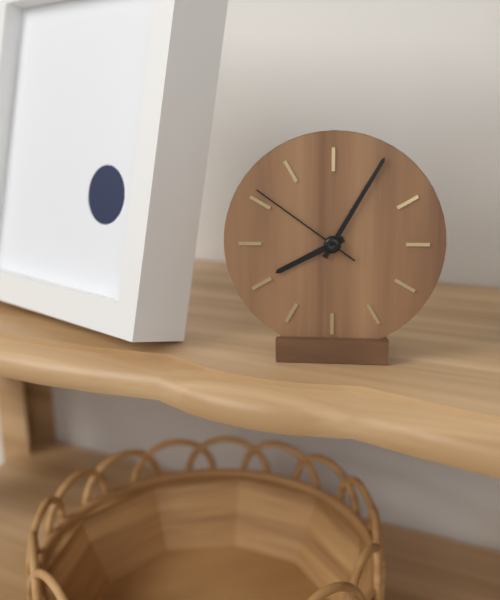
h=8 m=5 s=51
